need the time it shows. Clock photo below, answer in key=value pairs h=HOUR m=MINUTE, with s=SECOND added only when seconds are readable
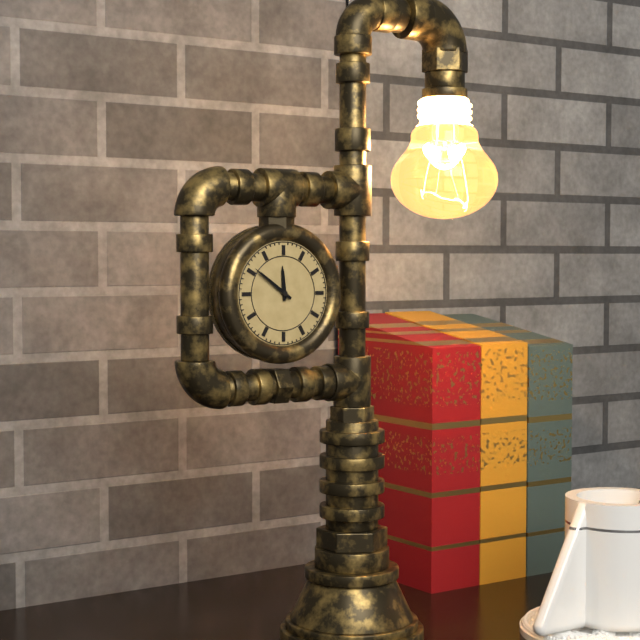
h=11 m=51
